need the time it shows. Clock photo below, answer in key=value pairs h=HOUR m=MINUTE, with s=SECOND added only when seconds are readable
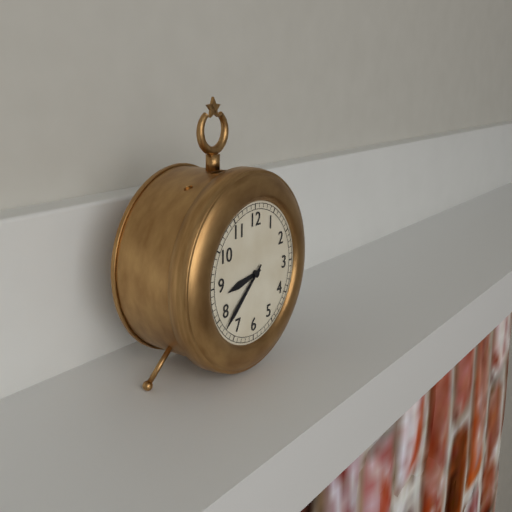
h=8 m=38
